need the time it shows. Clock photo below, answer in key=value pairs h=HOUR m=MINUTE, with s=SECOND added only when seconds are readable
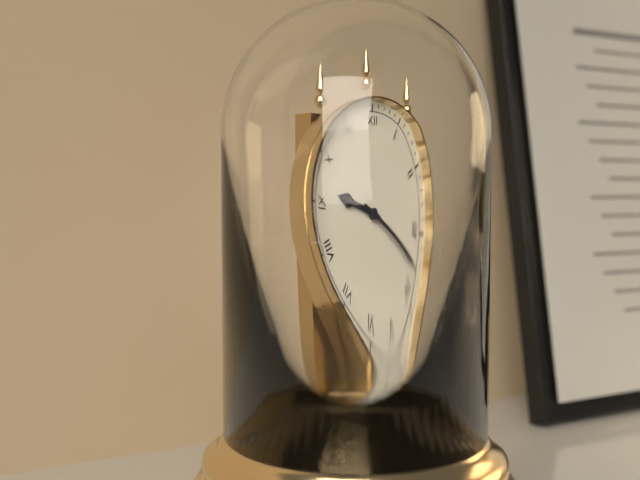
h=9 m=18
